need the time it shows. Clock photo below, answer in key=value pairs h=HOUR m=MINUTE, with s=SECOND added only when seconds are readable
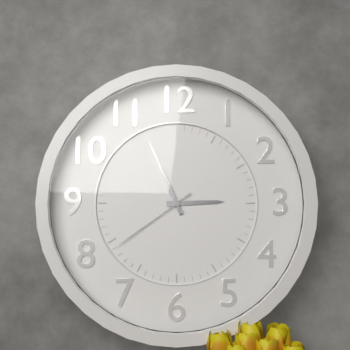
h=2 m=56 s=39
